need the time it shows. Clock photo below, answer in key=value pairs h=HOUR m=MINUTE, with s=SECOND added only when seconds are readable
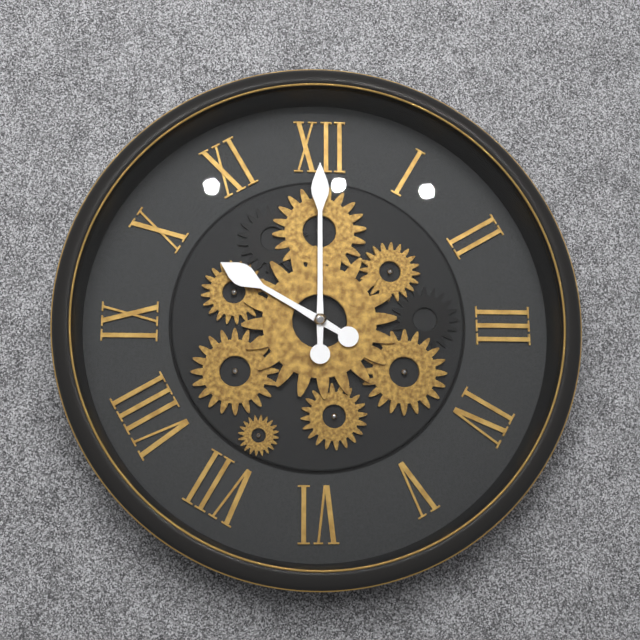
h=10 m=0
